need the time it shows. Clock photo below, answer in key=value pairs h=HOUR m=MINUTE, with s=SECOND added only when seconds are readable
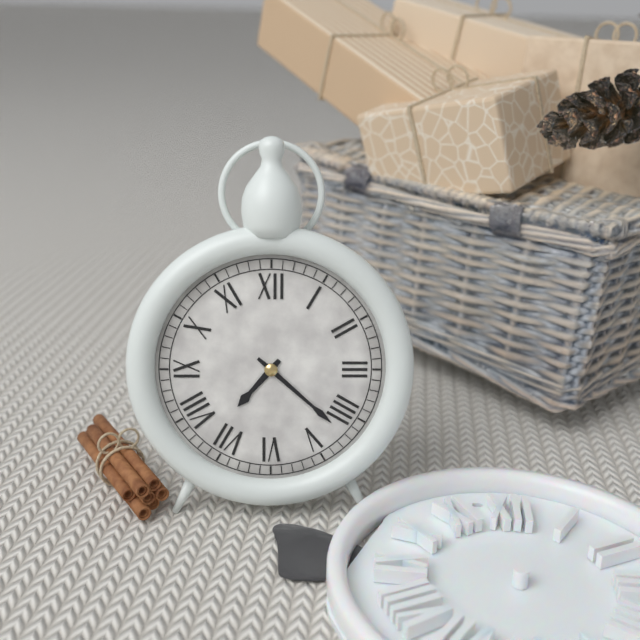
h=7 m=22
